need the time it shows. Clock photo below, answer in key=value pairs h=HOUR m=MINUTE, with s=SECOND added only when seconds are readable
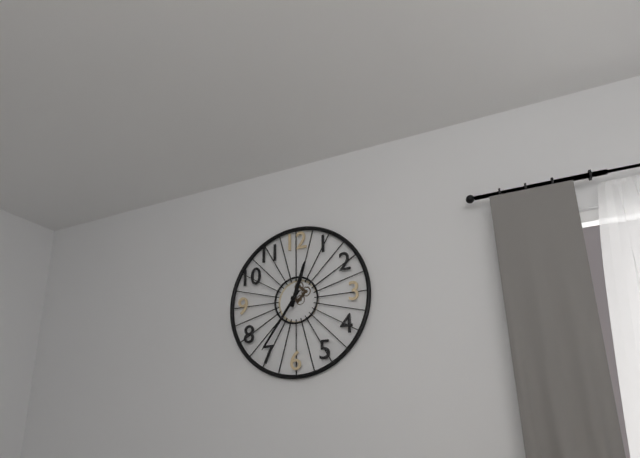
h=12 m=36
